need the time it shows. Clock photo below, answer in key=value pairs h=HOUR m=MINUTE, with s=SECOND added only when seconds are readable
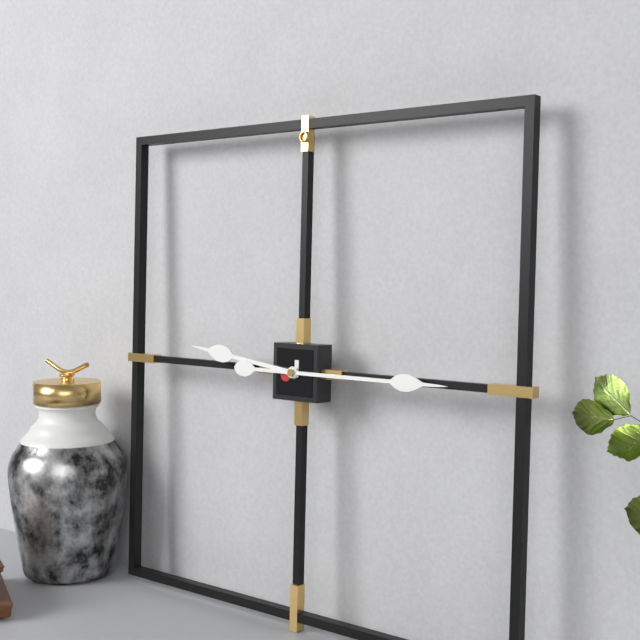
h=9 m=15
